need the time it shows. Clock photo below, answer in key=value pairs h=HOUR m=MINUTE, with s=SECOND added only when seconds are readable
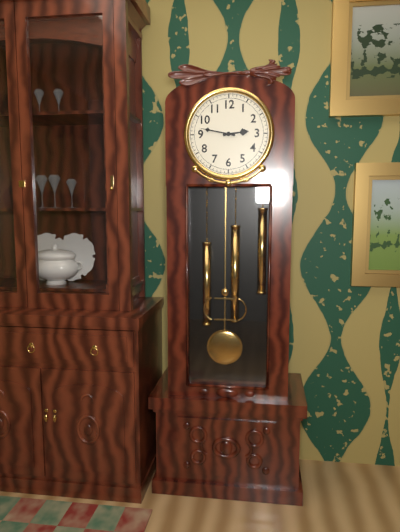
h=2 m=47
